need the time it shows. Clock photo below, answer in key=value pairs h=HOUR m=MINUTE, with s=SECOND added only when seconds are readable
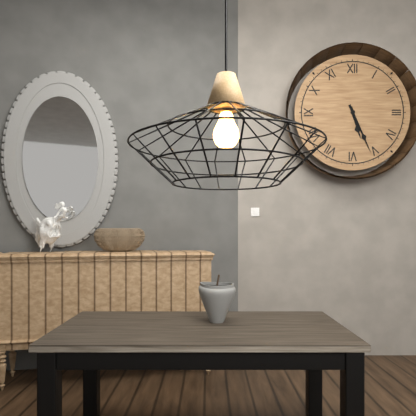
h=5 m=26
